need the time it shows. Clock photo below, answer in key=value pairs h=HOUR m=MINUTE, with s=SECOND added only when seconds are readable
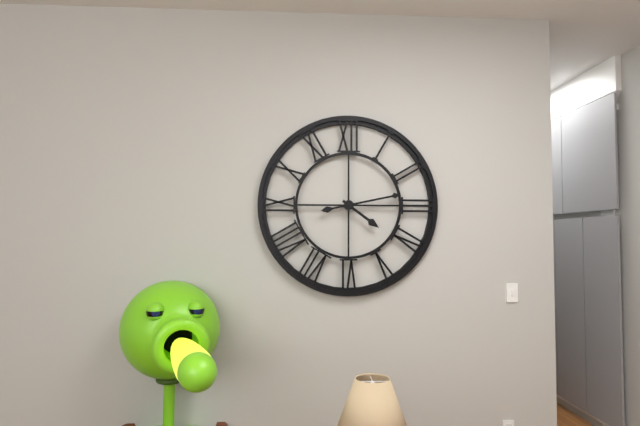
h=4 m=13
